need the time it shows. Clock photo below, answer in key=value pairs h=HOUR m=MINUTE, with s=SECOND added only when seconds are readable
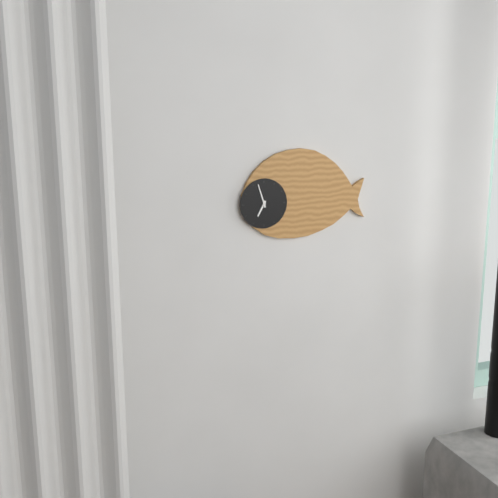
h=6 m=57
